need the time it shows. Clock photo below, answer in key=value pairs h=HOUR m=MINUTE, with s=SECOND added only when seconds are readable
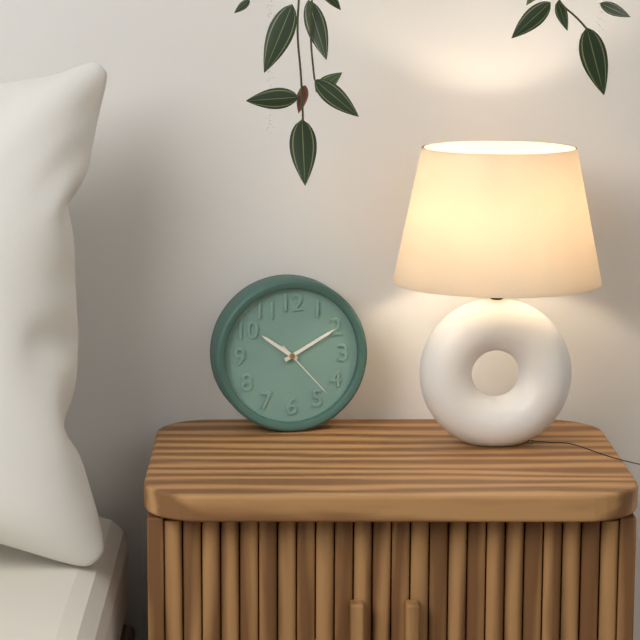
h=10 m=10 s=23
